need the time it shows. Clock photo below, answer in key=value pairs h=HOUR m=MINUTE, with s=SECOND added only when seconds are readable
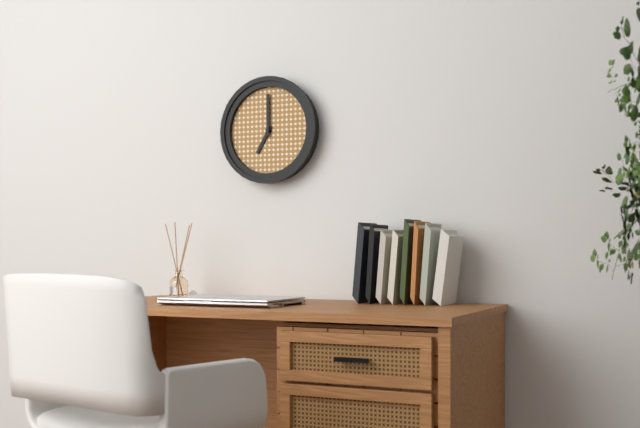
h=7 m=0
